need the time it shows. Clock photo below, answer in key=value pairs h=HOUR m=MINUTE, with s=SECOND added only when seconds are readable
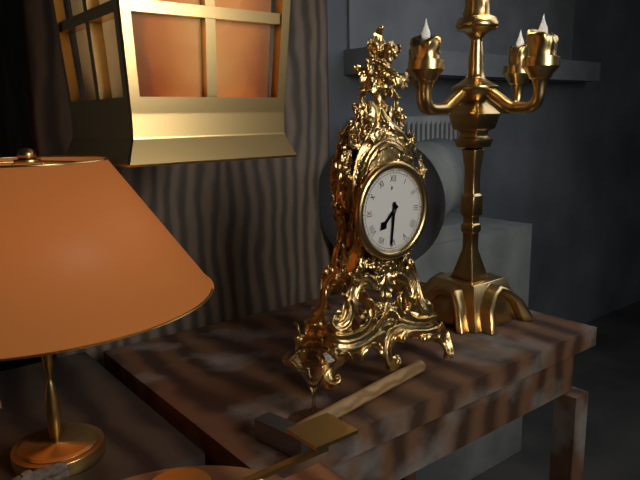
h=7 m=31
